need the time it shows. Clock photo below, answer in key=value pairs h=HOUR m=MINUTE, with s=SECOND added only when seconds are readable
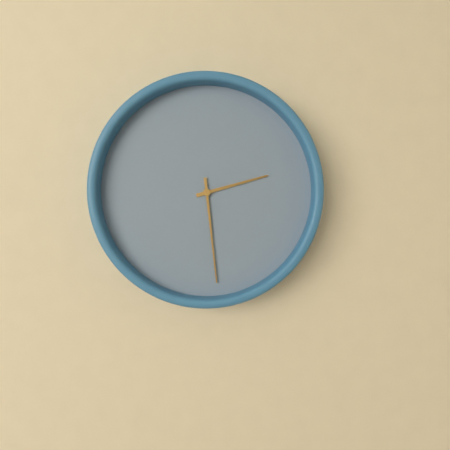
h=2 m=29
